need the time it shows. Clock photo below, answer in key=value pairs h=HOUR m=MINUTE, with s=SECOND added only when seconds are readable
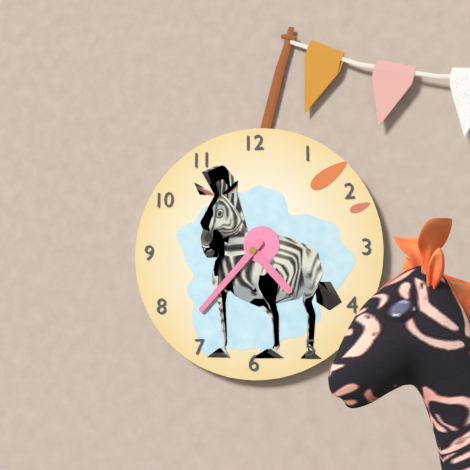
h=4 m=37
